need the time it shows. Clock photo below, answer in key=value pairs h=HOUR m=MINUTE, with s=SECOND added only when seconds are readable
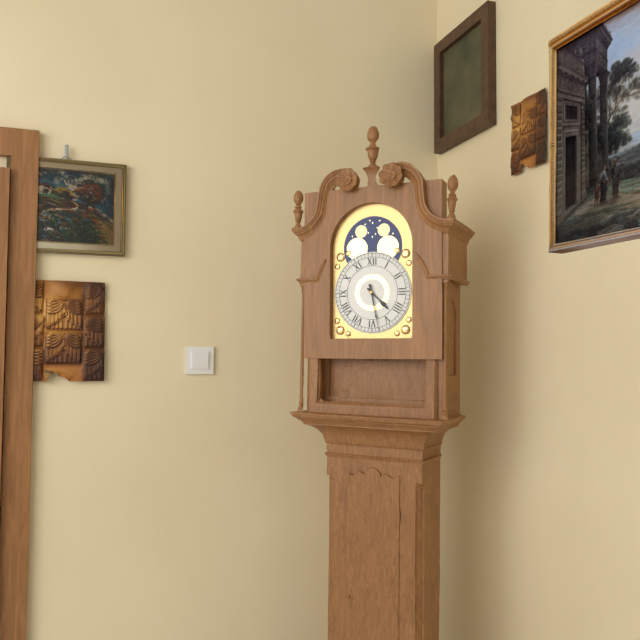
h=4 m=28
